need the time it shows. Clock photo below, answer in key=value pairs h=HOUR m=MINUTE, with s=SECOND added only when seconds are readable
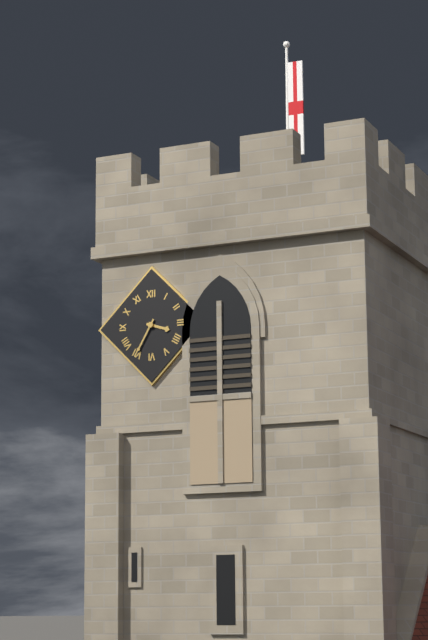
h=3 m=35
